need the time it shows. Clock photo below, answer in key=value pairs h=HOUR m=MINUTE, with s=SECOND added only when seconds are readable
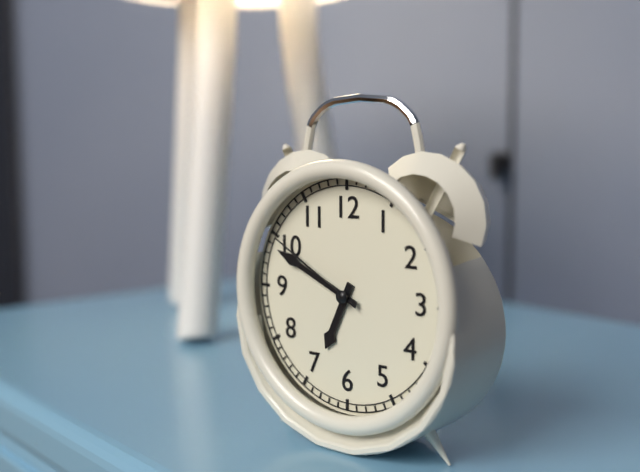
h=6 m=49 s=50
